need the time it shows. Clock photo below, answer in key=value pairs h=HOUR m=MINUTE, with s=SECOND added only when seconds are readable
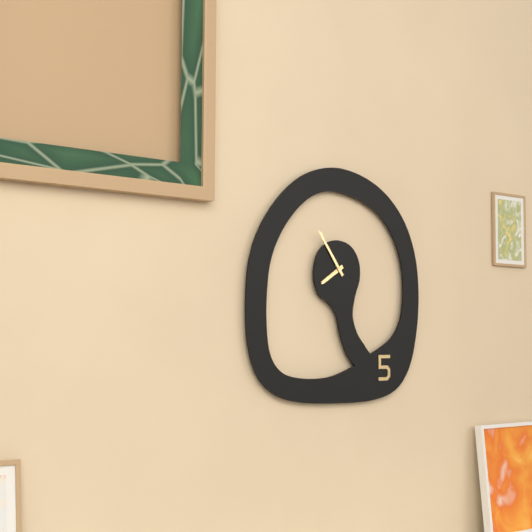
h=7 m=54
